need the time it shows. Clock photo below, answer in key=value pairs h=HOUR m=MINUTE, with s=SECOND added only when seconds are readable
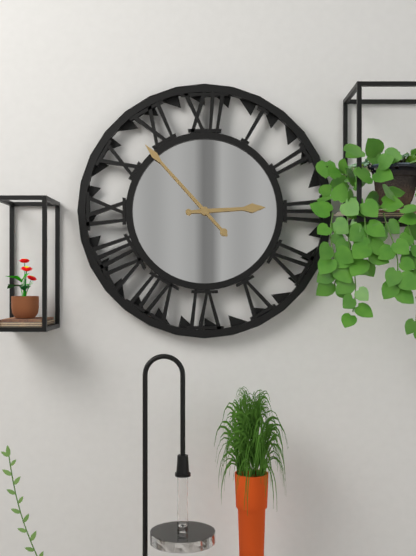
h=2 m=53
